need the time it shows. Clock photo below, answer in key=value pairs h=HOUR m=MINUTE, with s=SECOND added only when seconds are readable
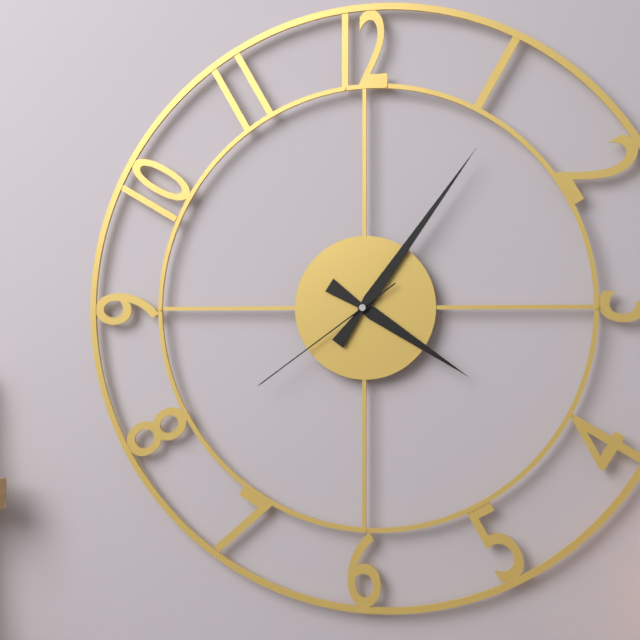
h=4 m=6 s=39
